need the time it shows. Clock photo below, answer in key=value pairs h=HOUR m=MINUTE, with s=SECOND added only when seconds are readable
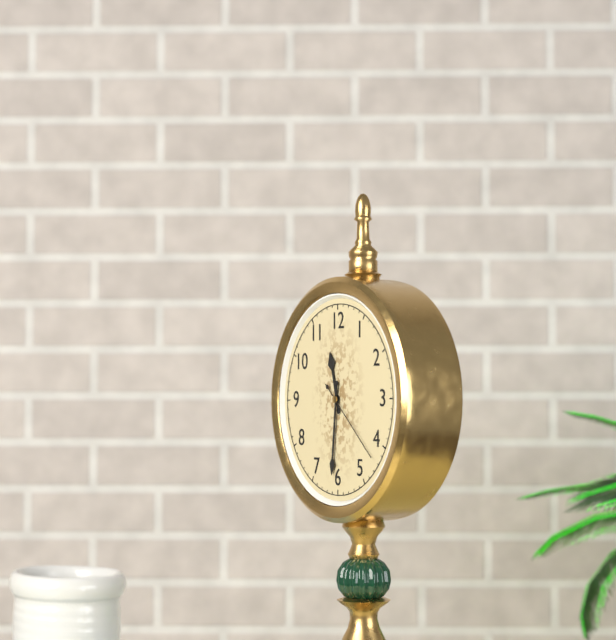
h=11 m=31 s=22
